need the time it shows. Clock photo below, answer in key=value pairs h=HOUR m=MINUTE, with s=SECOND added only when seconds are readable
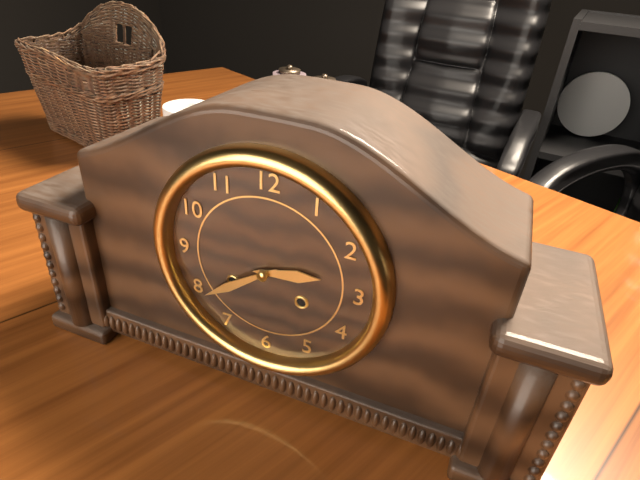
h=2 m=39
